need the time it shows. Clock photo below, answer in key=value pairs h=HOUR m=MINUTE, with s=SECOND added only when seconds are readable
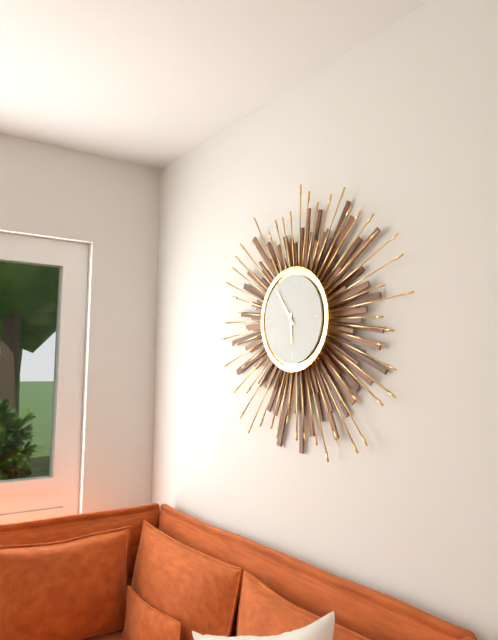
h=5 m=54
